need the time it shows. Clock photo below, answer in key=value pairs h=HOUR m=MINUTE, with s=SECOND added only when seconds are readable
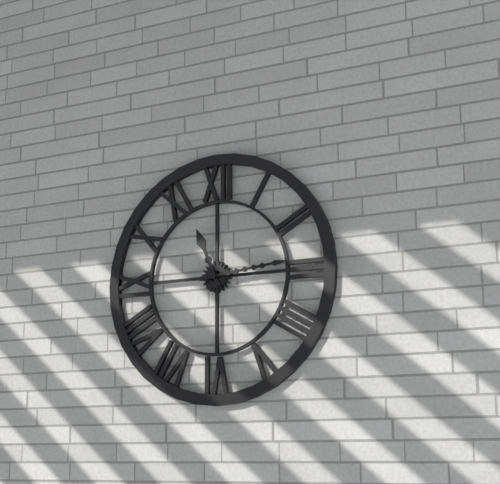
h=11 m=14
